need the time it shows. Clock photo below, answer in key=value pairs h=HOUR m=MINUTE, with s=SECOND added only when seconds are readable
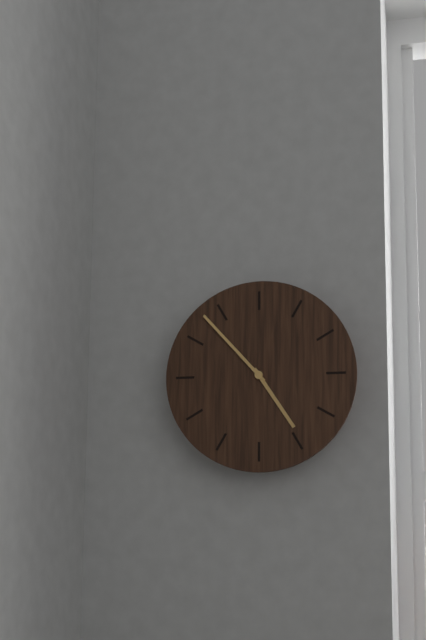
h=4 m=53
